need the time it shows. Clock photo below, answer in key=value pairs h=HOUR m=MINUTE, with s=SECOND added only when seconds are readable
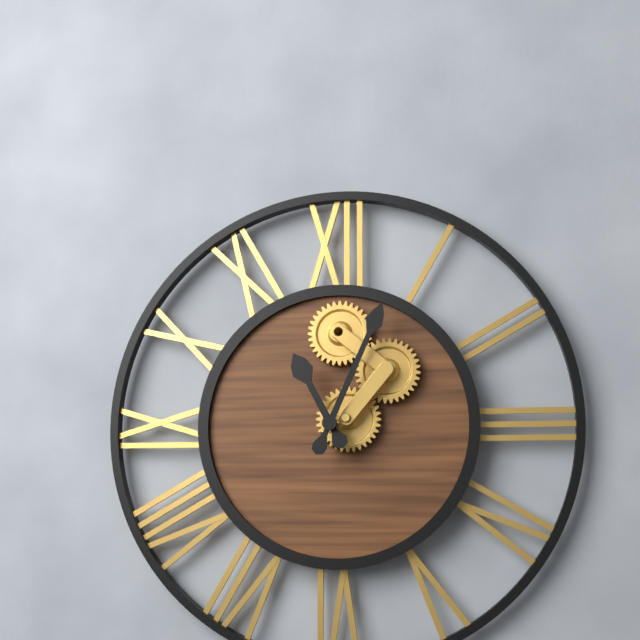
h=11 m=4
